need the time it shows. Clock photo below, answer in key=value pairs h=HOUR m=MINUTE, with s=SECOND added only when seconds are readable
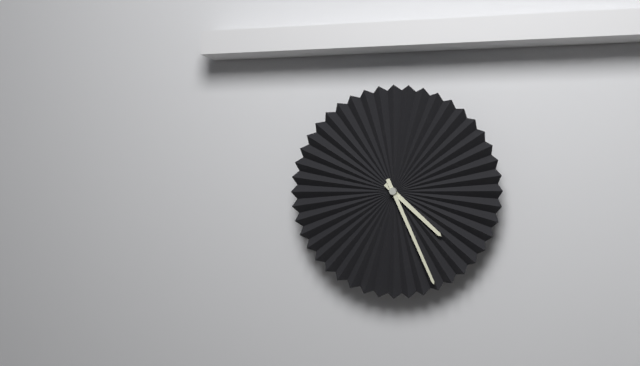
h=4 m=26
